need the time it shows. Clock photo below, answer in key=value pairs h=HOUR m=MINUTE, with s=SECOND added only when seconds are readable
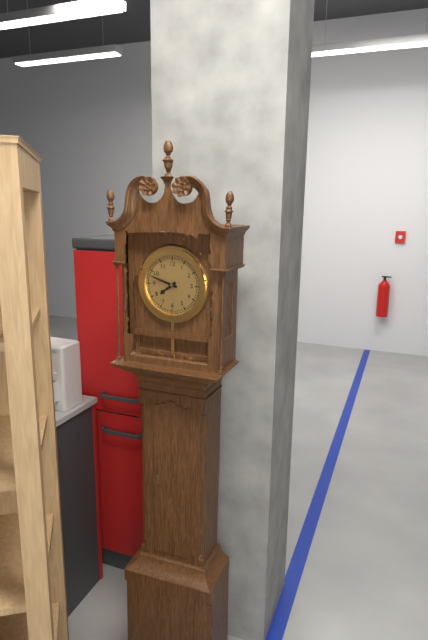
h=7 m=48
